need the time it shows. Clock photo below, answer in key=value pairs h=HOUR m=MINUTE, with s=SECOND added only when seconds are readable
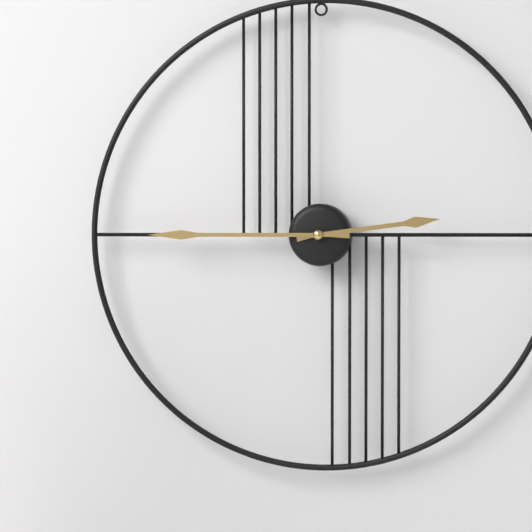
h=2 m=45
